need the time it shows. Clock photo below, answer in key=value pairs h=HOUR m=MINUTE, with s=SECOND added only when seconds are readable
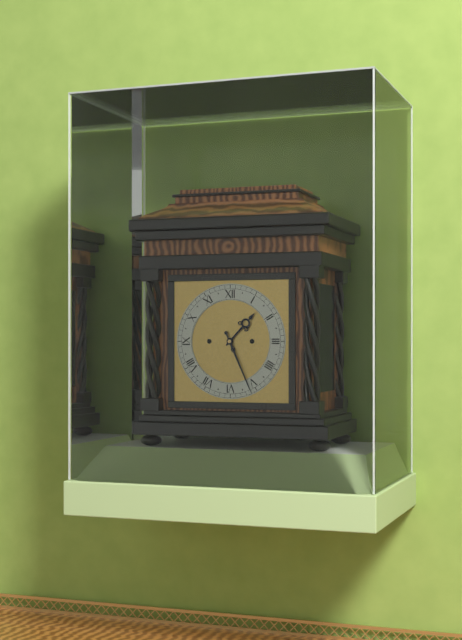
h=1 m=26
